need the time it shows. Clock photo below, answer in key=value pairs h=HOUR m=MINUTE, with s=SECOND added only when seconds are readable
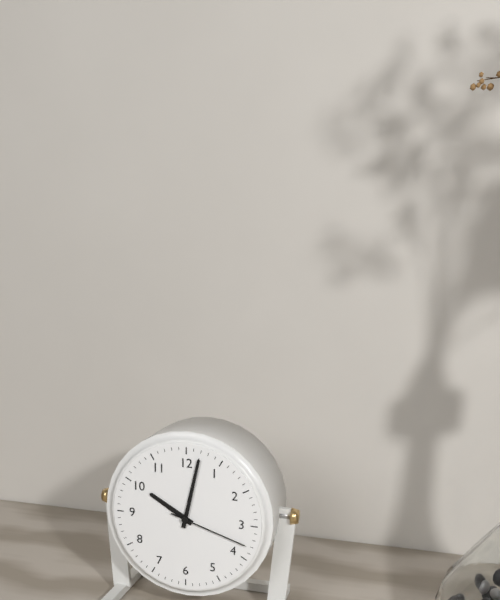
h=10 m=2 s=18
